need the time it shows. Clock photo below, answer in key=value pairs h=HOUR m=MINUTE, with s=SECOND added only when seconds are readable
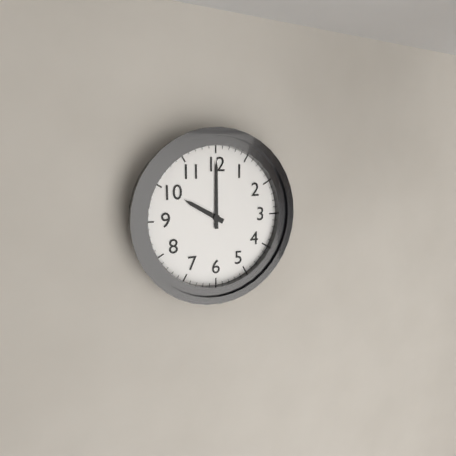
h=10 m=0
